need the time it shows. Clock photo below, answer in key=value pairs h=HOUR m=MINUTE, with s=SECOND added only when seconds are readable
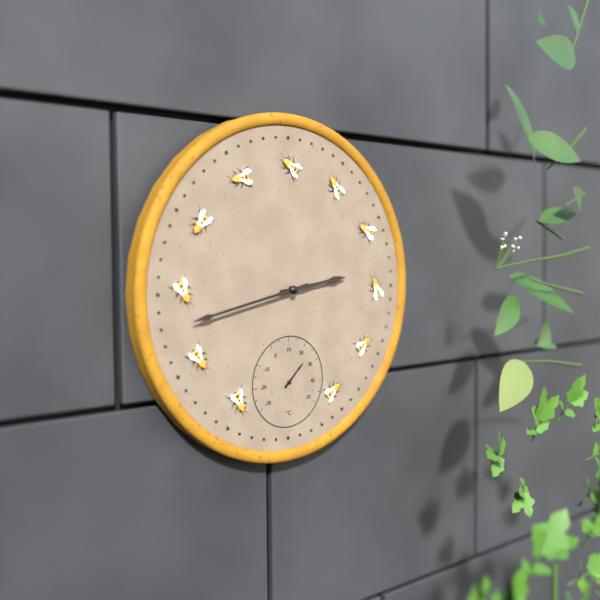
h=2 m=43
